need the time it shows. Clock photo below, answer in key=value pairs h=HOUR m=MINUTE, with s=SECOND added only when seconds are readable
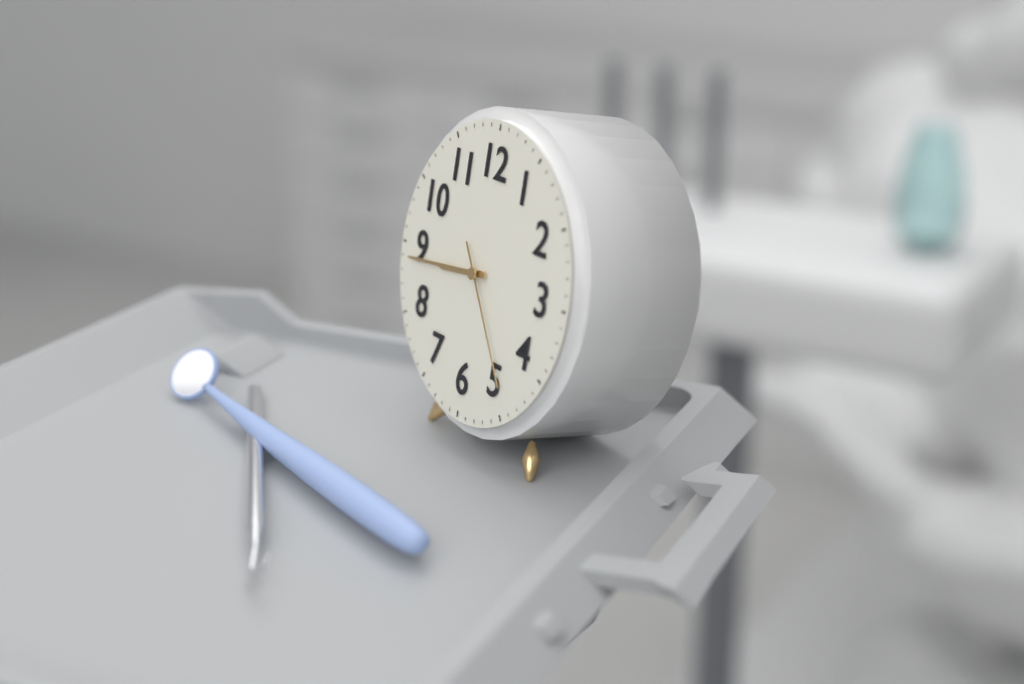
h=8 m=44 s=24
